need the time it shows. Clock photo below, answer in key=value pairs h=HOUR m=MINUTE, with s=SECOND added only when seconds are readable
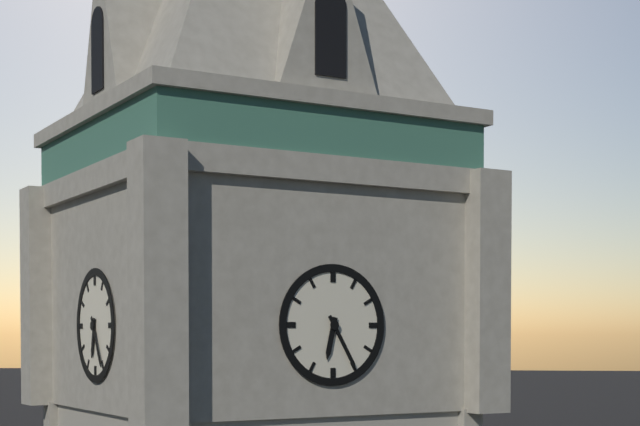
h=6 m=25
